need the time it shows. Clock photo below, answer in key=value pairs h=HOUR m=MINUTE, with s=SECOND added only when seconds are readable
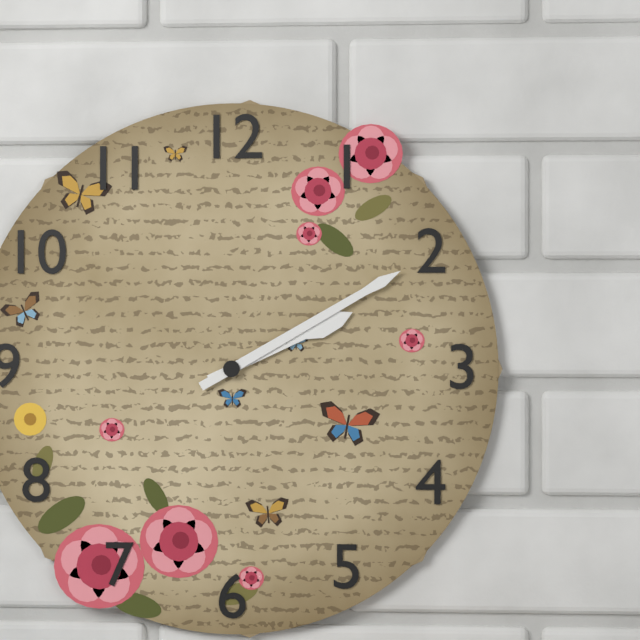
h=2 m=10
